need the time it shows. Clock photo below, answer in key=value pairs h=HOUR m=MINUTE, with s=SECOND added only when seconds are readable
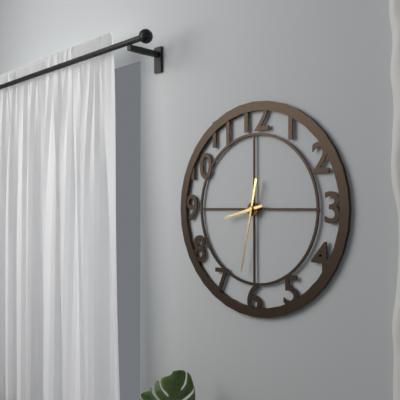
h=8 m=32
